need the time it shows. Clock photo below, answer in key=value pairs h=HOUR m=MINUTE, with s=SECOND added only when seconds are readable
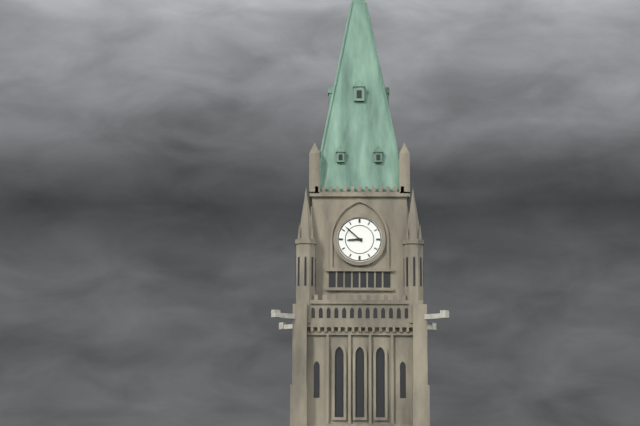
h=8 m=52
